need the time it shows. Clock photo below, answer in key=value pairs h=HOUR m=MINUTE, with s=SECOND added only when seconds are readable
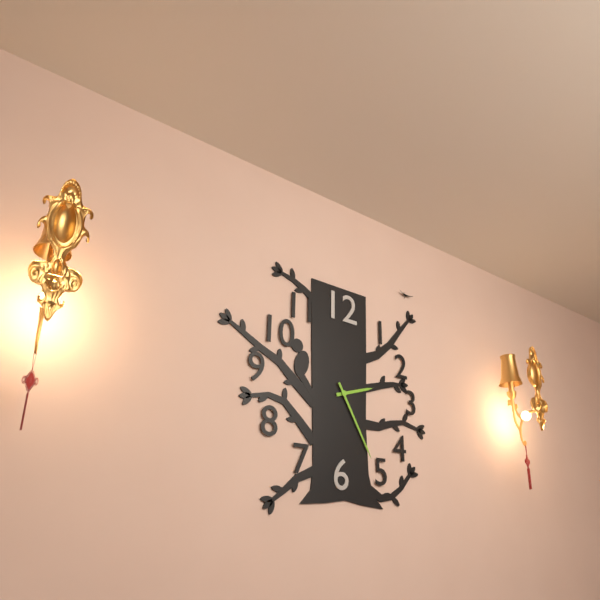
h=2 m=25
